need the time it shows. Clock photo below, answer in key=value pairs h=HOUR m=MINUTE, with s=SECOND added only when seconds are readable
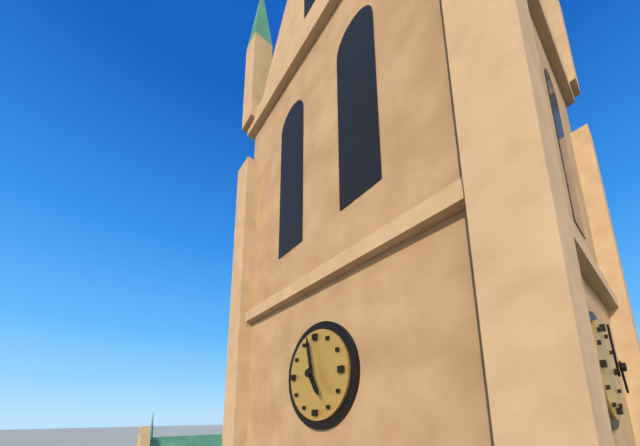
h=4 m=58
